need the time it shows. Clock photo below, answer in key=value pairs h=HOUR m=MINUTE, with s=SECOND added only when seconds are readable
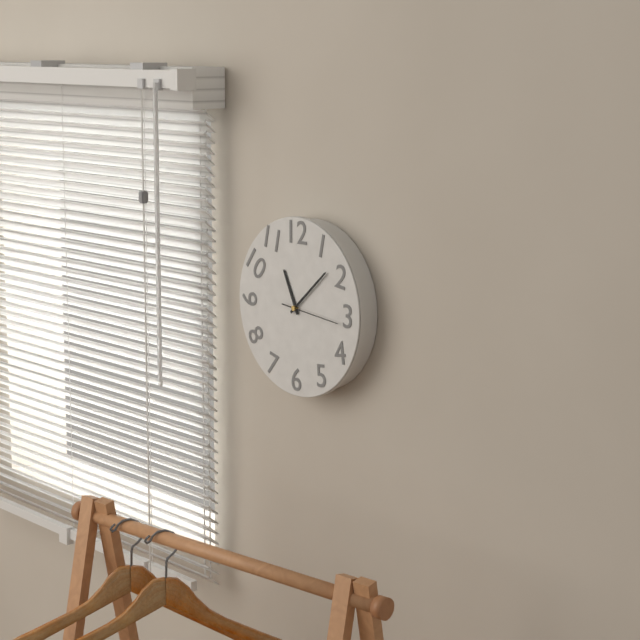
h=11 m=8 s=16
